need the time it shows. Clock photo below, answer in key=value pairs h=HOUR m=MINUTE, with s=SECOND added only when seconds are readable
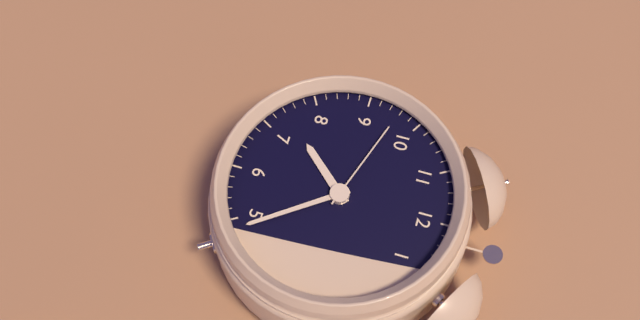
h=7 m=24 s=48
